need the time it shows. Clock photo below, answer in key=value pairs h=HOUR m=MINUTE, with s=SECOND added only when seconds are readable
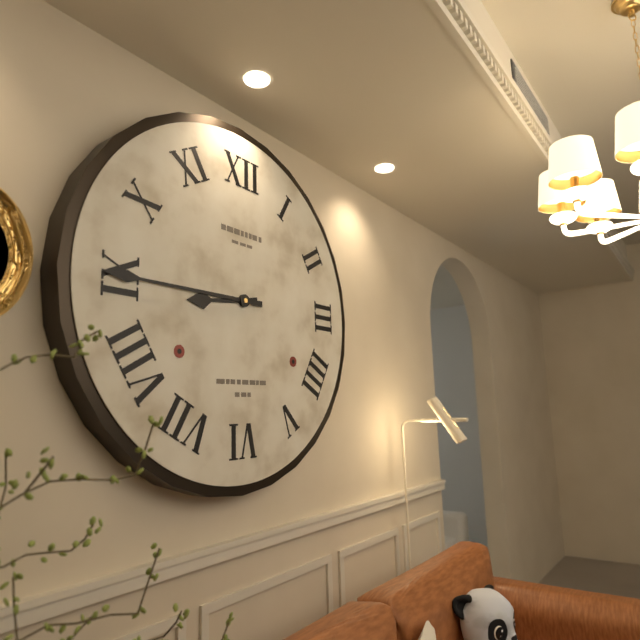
h=8 m=45
